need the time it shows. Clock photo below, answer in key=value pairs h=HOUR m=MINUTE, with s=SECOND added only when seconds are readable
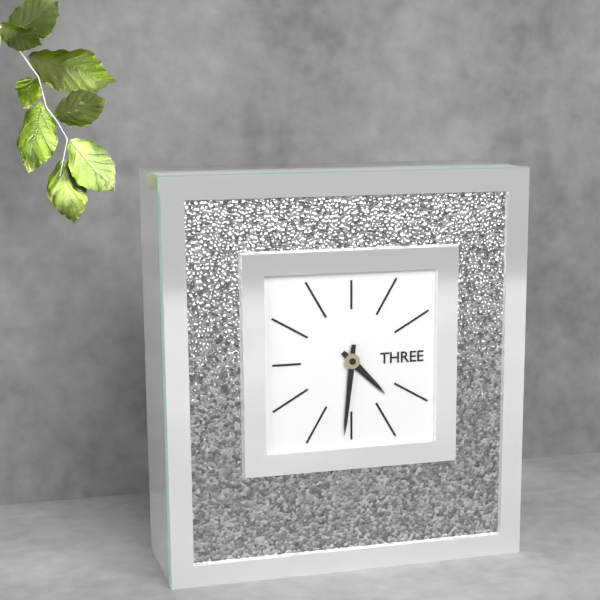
h=4 m=31
